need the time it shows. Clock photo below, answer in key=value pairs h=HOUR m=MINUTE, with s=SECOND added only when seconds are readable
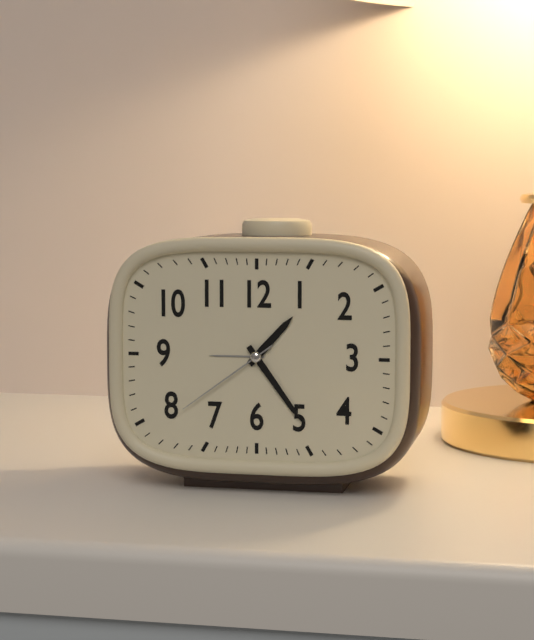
h=1 m=24 s=39
